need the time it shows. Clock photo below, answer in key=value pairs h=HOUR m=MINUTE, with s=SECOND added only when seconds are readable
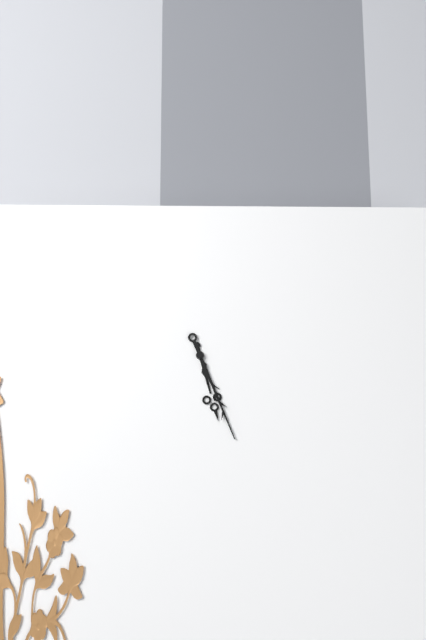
h=5 m=26
